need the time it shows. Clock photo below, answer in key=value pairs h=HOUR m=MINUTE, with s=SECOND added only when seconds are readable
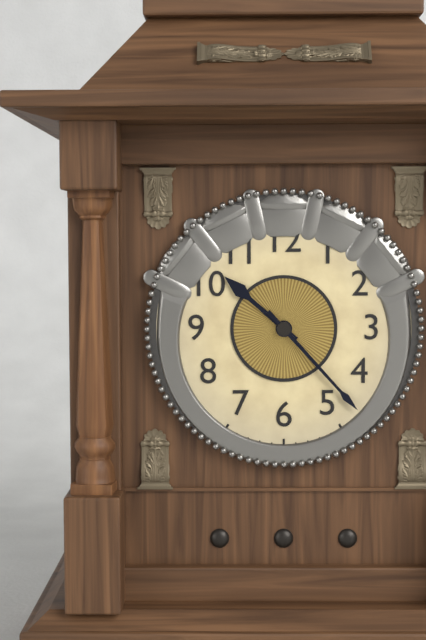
h=10 m=23
